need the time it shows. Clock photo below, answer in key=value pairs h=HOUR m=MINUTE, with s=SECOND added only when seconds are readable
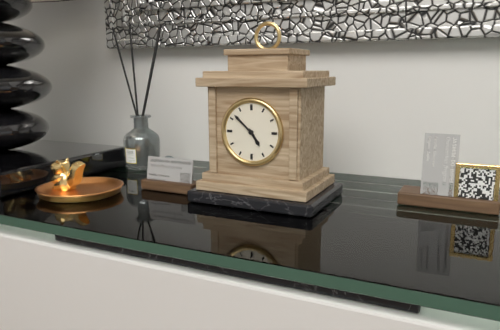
h=4 m=52
